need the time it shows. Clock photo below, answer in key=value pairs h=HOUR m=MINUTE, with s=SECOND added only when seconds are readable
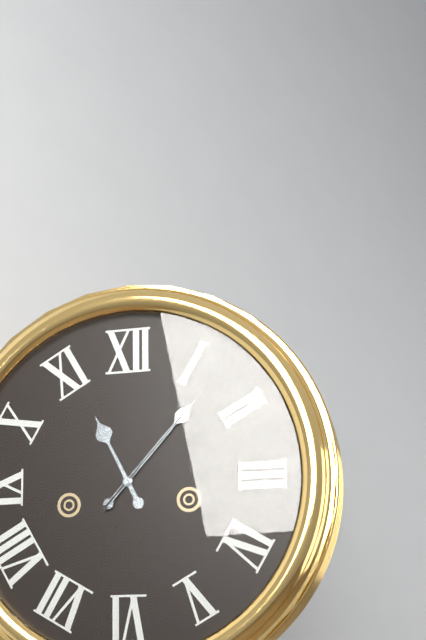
h=11 m=7 s=7
